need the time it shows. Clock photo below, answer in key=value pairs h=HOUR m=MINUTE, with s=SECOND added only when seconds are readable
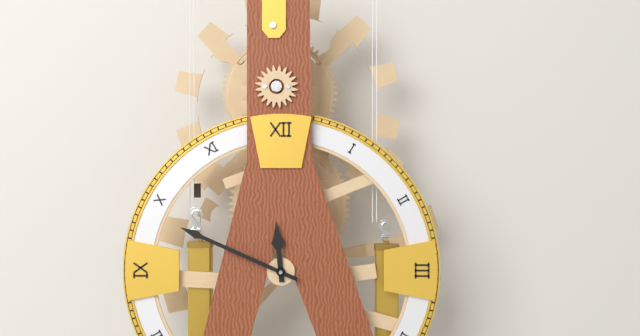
h=11 m=49
